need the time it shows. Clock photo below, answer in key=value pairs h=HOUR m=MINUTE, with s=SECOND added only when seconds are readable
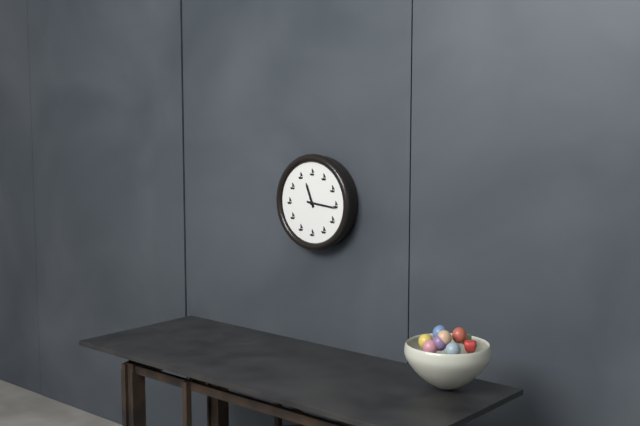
h=11 m=16
